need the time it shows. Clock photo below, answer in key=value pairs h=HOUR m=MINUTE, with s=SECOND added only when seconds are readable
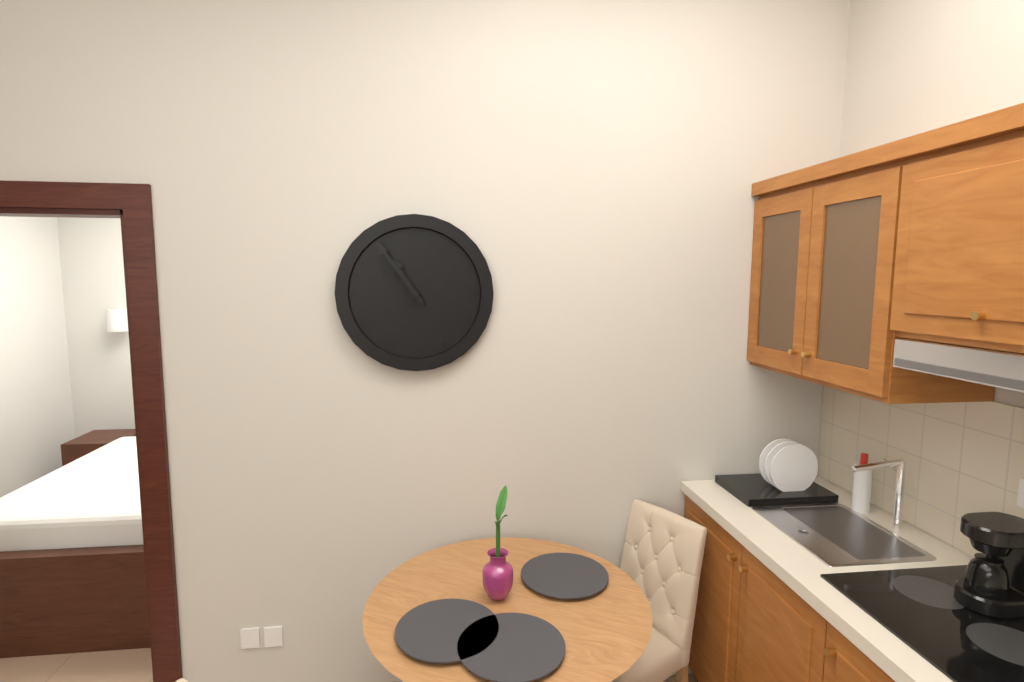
h=10 m=54
